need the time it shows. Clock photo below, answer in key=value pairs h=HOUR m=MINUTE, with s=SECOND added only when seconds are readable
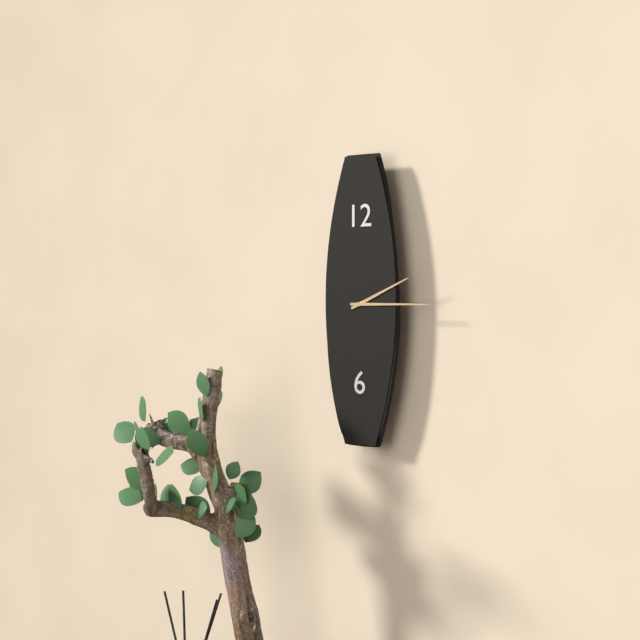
h=2 m=15
